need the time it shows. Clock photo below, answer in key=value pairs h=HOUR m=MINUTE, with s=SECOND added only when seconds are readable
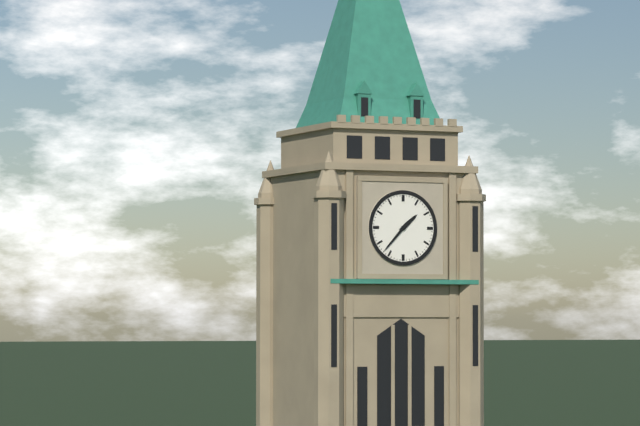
h=1 m=37
